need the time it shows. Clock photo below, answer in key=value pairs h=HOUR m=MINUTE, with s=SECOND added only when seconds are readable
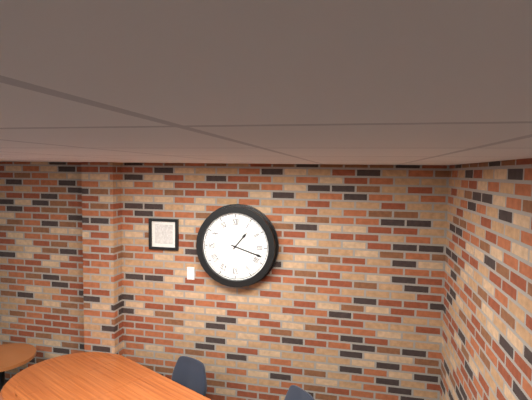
h=1 m=18
